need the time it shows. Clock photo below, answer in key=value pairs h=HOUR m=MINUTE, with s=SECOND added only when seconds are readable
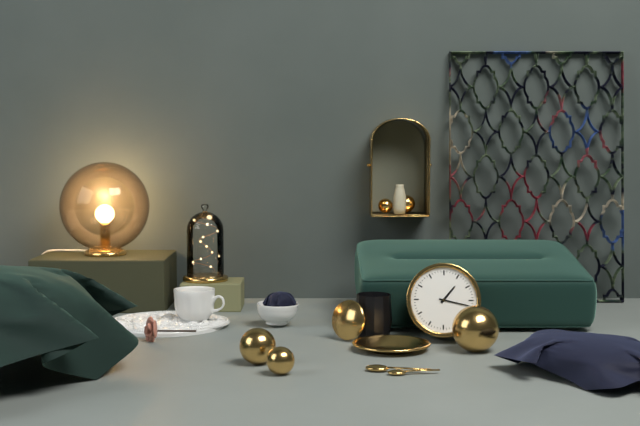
h=1 m=17
